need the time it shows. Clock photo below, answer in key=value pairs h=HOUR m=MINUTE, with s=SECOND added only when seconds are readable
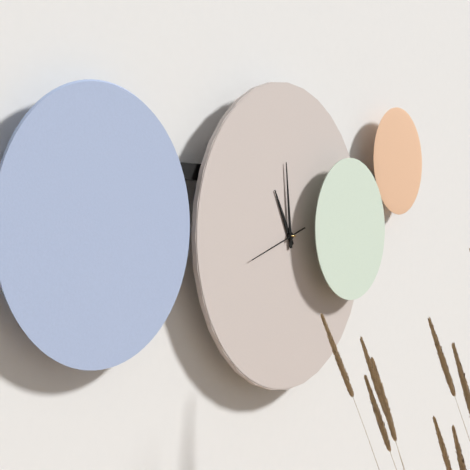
h=10 m=59 s=42
